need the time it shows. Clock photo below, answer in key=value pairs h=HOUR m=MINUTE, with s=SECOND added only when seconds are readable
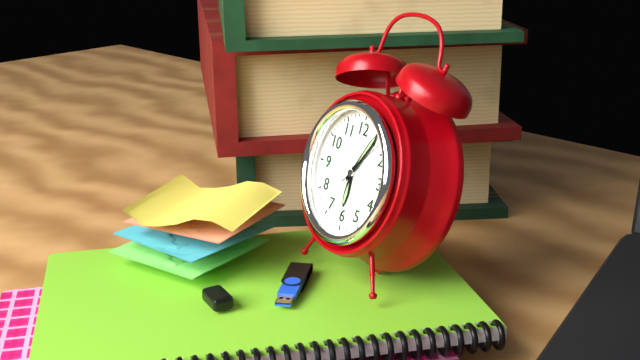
h=6 m=5 s=7
